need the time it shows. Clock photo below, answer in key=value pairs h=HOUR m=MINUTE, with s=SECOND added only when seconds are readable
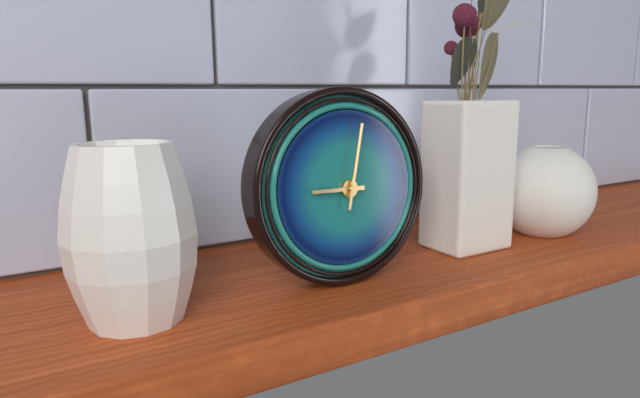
h=9 m=2
